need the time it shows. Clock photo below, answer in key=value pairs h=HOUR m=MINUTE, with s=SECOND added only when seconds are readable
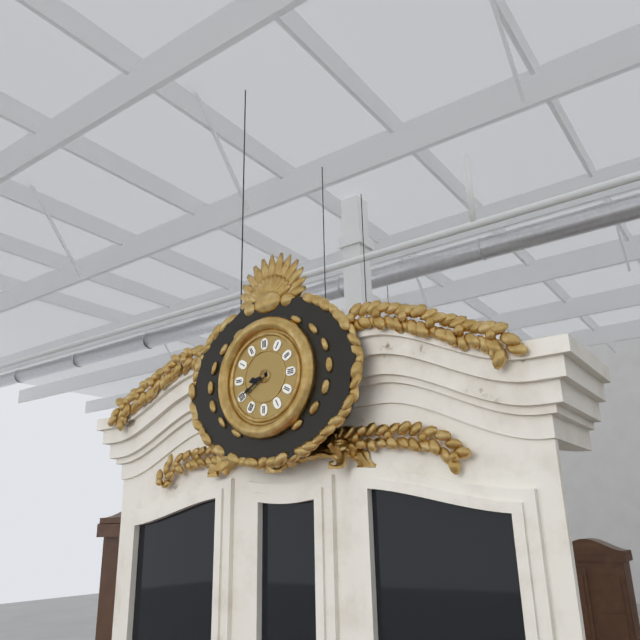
h=8 m=40
